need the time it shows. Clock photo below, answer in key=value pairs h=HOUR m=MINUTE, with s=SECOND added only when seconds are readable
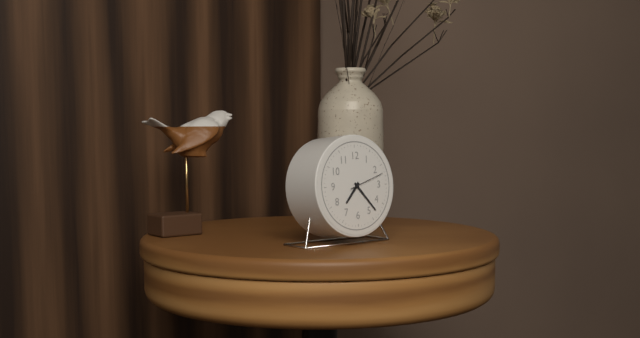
h=7 m=23
